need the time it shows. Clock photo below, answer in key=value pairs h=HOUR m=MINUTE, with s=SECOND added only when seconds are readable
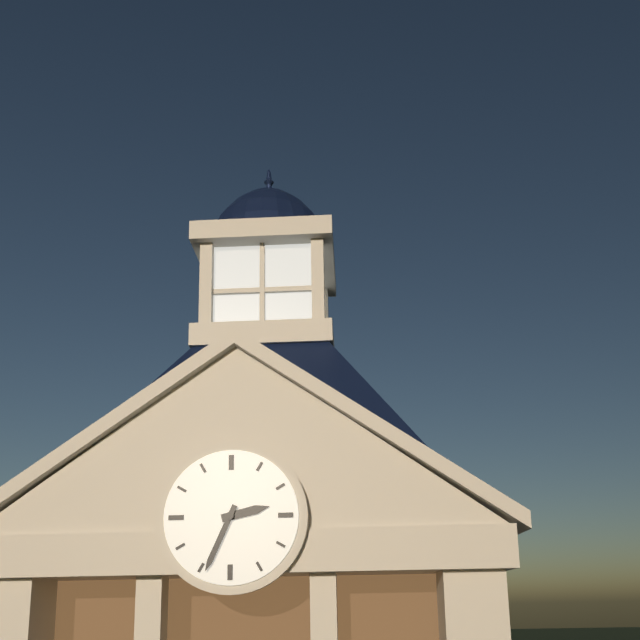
h=2 m=34
